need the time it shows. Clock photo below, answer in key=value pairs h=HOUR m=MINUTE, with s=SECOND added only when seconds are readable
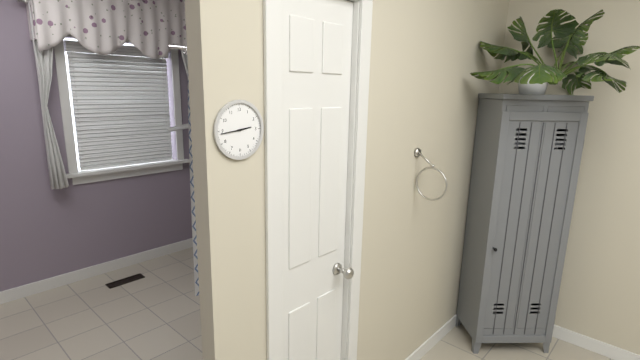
h=2 m=44
